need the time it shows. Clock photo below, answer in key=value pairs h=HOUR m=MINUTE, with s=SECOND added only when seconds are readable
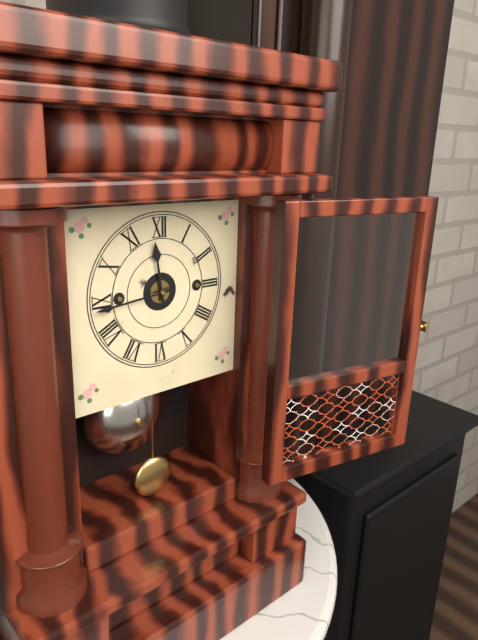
h=11 m=44
